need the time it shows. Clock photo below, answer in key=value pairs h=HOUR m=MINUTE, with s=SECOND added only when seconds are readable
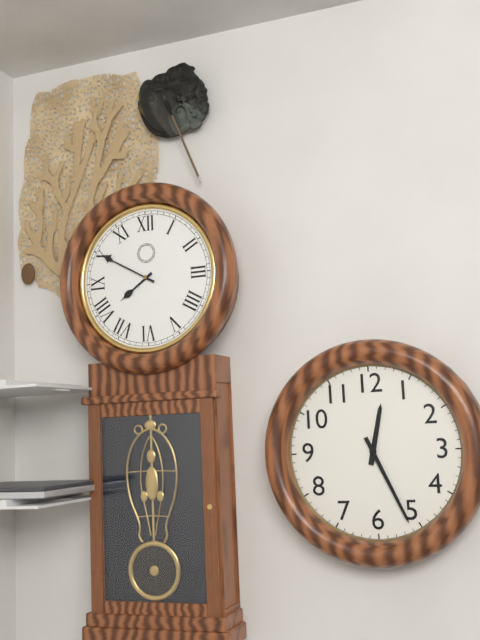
h=7 m=50
